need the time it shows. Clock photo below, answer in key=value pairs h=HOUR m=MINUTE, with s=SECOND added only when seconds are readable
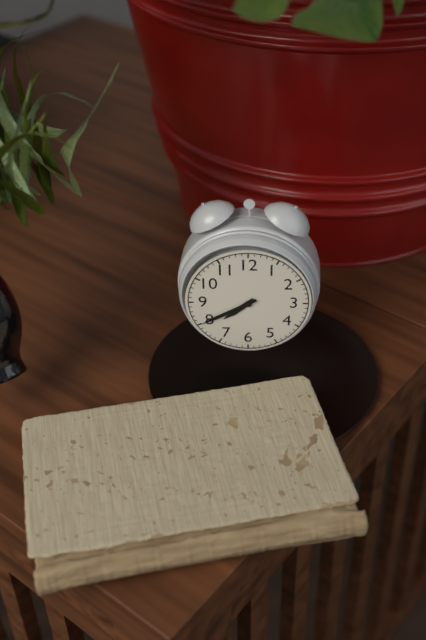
h=7 m=40
